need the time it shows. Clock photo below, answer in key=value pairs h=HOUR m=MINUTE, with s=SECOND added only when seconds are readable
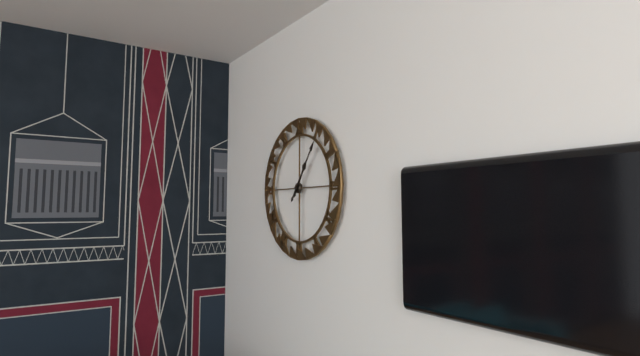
h=1 m=6
